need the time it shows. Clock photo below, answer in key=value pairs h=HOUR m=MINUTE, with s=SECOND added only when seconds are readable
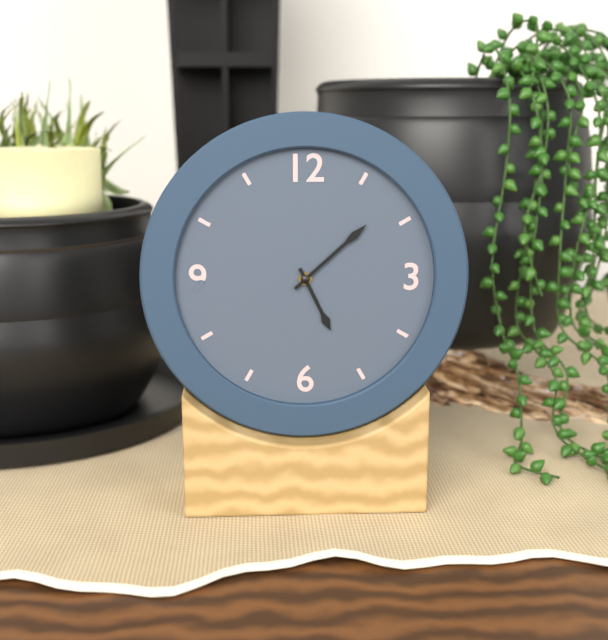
h=5 m=8
